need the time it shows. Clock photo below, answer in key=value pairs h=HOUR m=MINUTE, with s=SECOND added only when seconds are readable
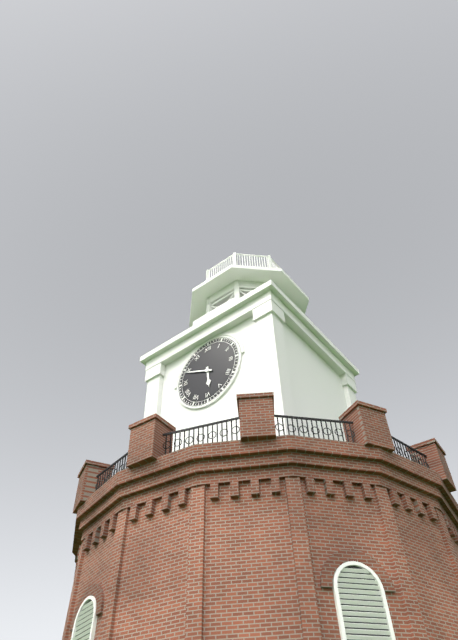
h=5 m=49
